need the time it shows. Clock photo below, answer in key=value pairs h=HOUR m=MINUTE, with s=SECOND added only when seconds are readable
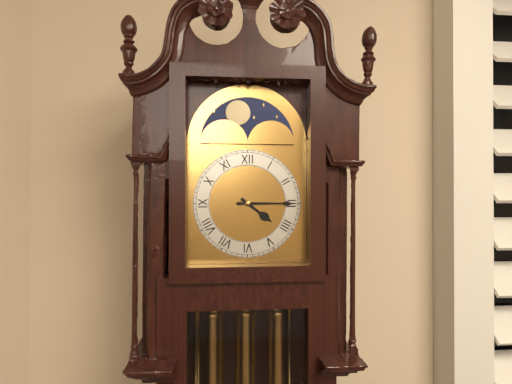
h=4 m=15
